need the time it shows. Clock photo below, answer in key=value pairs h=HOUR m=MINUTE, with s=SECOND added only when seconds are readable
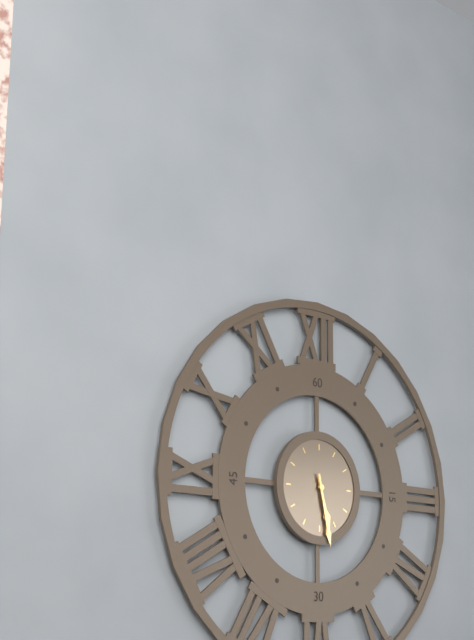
h=5 m=28
